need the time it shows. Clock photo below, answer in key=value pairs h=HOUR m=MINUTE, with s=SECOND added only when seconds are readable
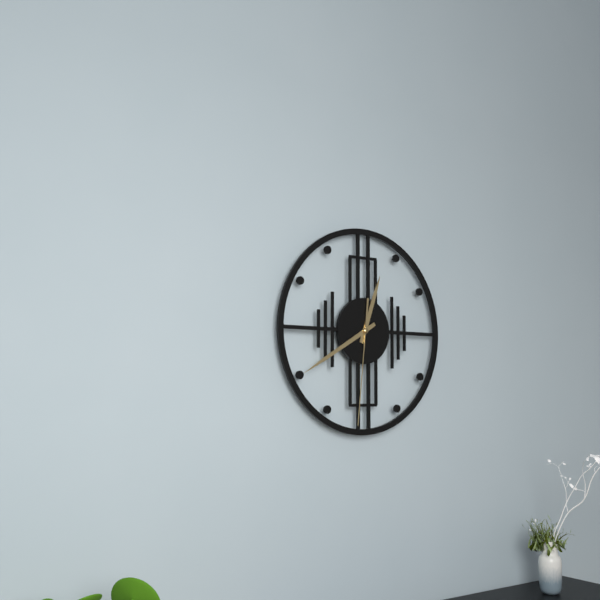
h=12 m=40 s=31
